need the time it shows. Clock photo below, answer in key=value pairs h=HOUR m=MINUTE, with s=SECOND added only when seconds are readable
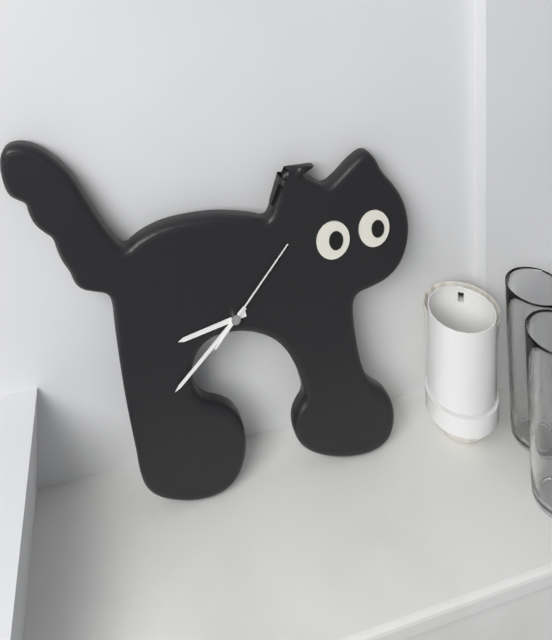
h=8 m=38 s=7
